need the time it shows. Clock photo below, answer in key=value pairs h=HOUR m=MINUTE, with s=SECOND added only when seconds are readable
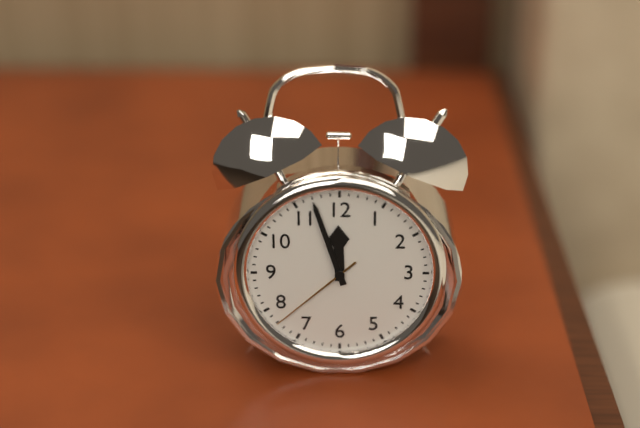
h=11 m=57 s=38
